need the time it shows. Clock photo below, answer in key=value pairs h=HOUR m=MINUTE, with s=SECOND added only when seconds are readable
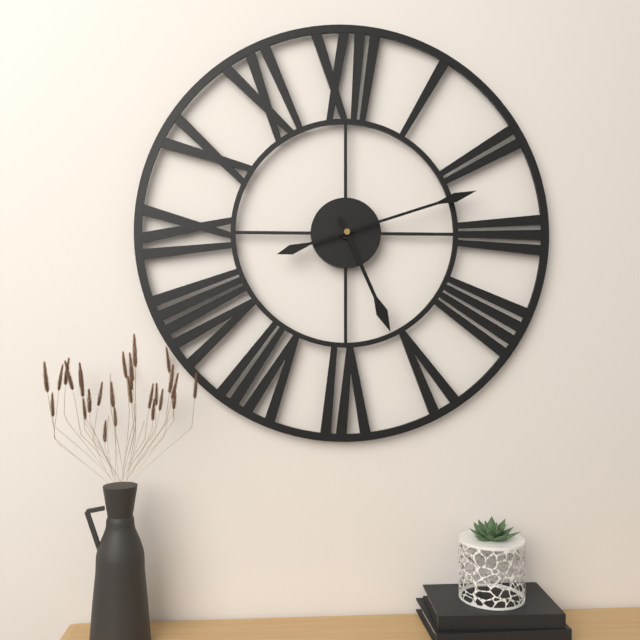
h=5 m=12
